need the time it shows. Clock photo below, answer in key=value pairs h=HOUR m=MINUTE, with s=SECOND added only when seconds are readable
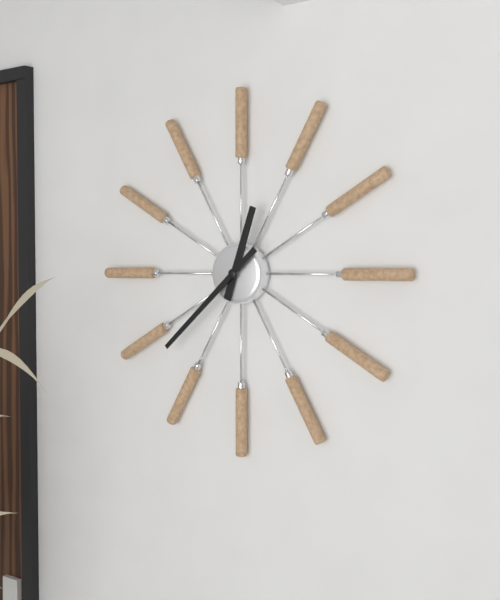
h=12 m=38
